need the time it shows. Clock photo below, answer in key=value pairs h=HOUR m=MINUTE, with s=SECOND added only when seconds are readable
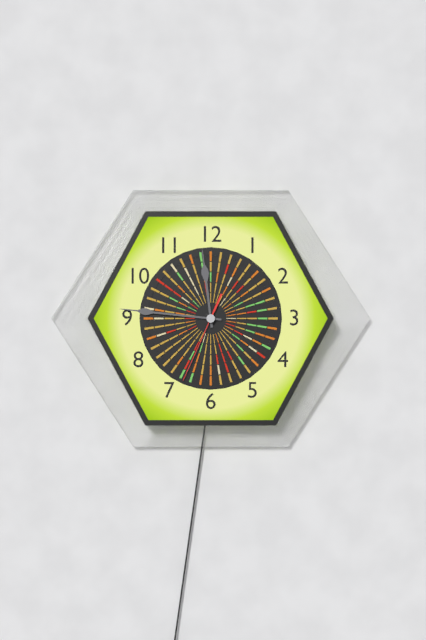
h=11 m=46 s=34
